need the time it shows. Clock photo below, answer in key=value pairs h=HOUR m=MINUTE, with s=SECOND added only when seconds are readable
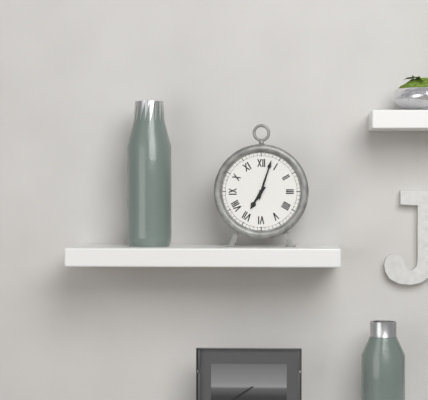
h=7 m=3
